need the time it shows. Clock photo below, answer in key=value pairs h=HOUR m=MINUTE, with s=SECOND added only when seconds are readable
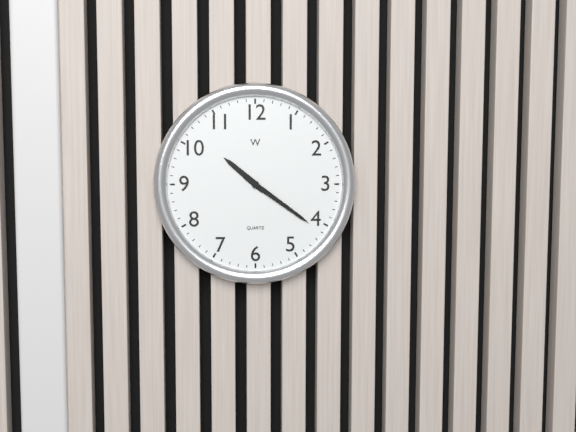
h=10 m=21
